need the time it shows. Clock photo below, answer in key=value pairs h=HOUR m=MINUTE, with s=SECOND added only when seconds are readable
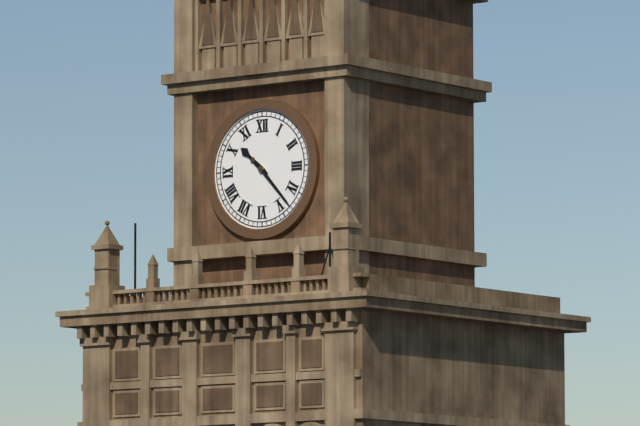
h=10 m=23
